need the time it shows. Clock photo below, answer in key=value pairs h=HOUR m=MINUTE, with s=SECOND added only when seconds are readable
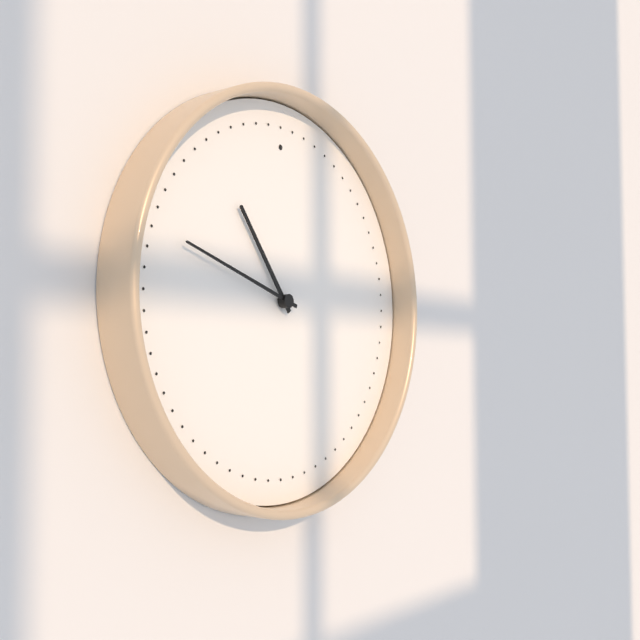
h=10 m=48
